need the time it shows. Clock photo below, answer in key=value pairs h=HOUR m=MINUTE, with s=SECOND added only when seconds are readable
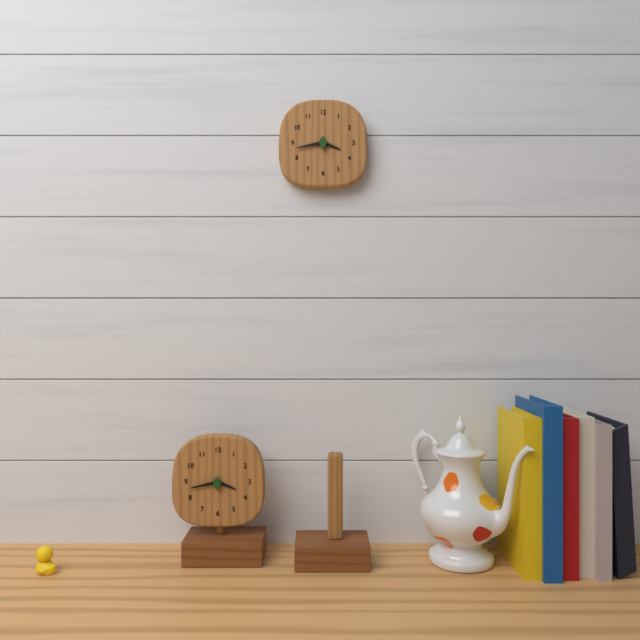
h=3 m=43
